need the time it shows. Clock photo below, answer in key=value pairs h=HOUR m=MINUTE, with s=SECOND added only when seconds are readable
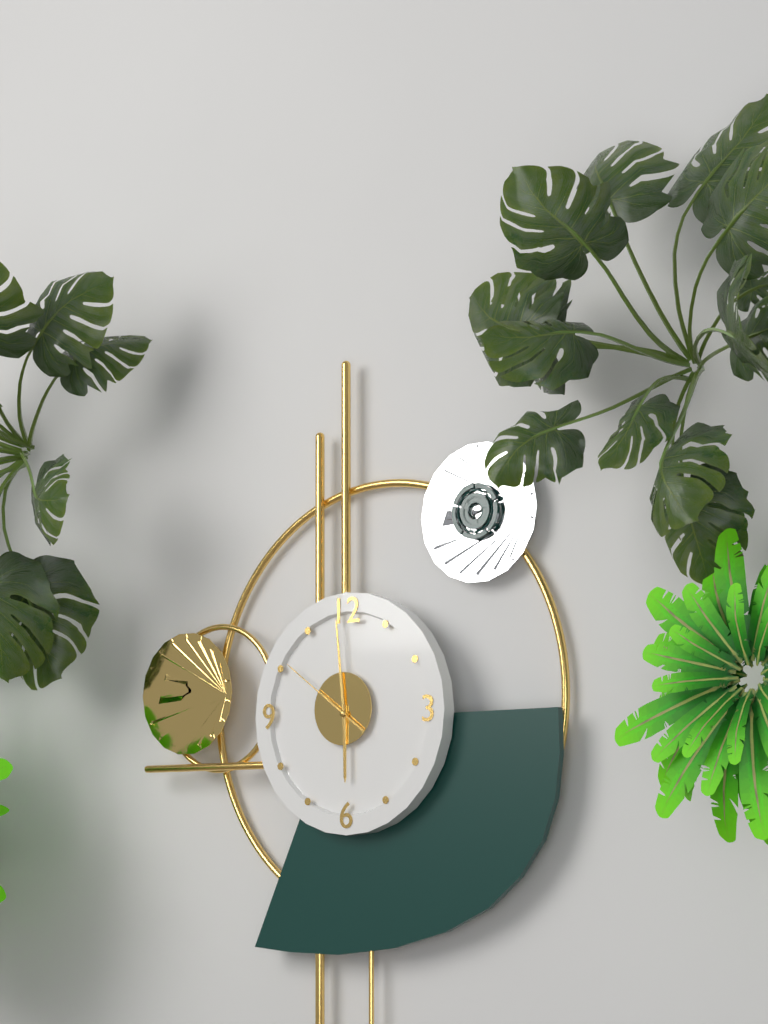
h=5 m=59 s=51
